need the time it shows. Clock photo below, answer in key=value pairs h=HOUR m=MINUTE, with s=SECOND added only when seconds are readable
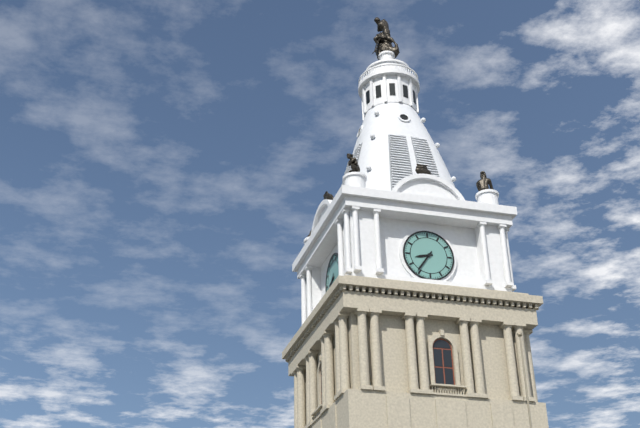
h=8 m=36
